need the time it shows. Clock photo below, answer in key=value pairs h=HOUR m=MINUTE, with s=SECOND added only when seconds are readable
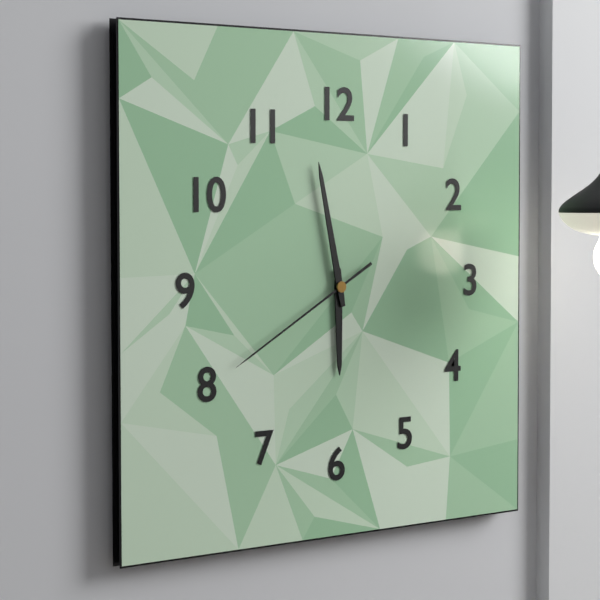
h=5 m=58 s=40
